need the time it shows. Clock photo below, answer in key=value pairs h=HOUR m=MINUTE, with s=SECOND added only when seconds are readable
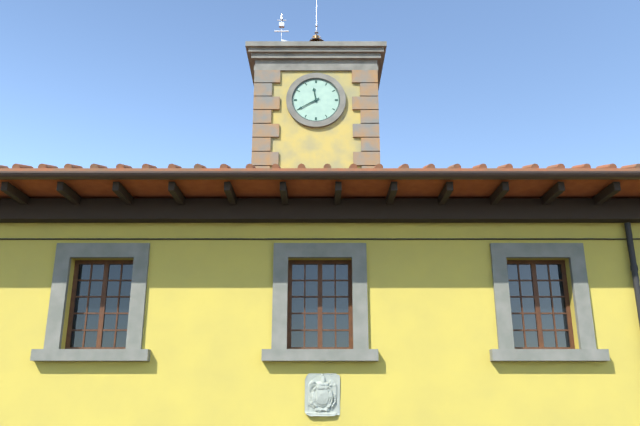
h=11 m=40
